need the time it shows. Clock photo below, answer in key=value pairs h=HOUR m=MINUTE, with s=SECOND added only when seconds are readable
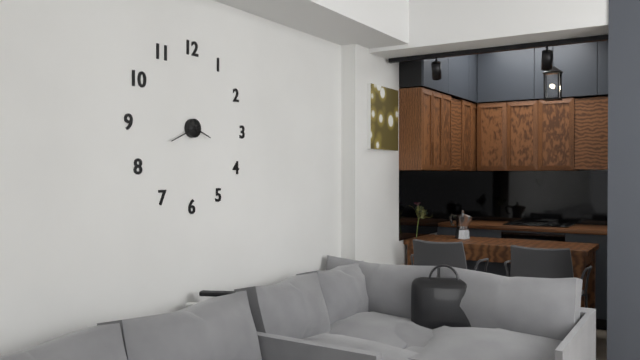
h=3 m=41
